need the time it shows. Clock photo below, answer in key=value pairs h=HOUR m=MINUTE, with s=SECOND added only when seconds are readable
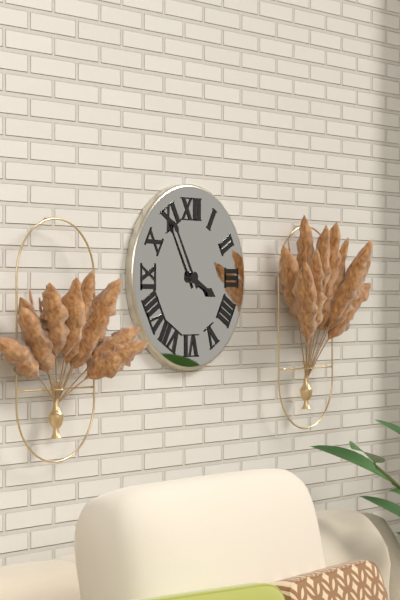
h=3 m=55
